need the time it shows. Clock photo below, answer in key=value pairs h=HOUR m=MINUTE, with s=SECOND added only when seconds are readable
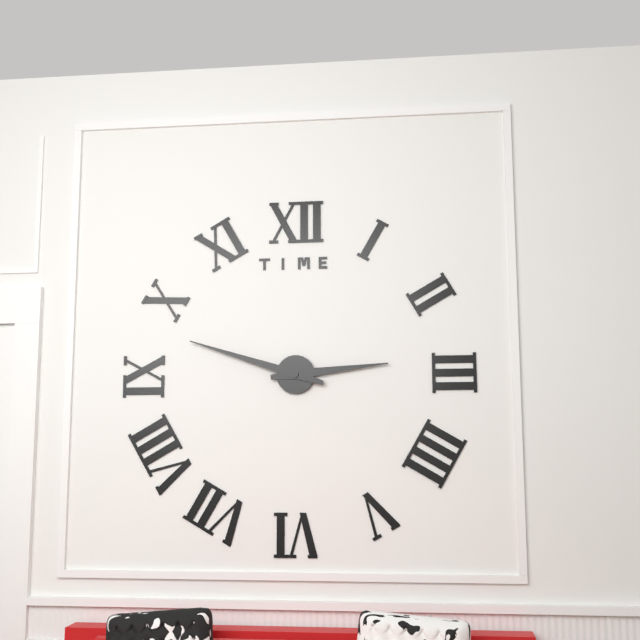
h=2 m=48
